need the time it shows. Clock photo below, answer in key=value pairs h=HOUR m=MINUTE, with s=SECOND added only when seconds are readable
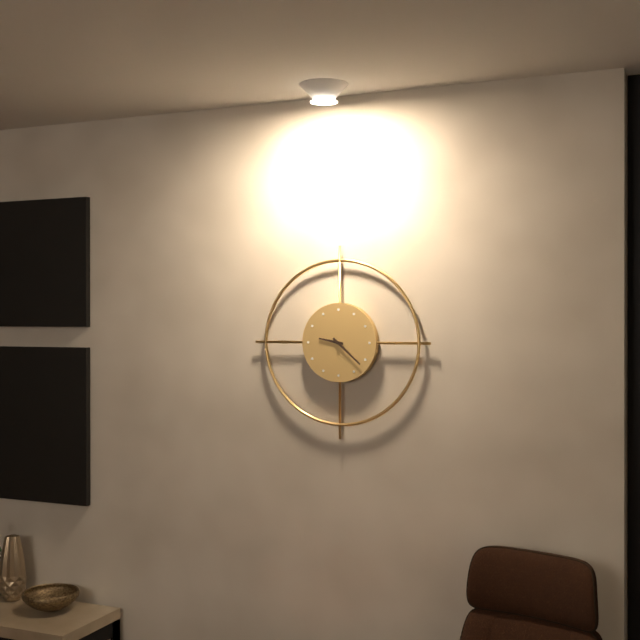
h=9 m=22
